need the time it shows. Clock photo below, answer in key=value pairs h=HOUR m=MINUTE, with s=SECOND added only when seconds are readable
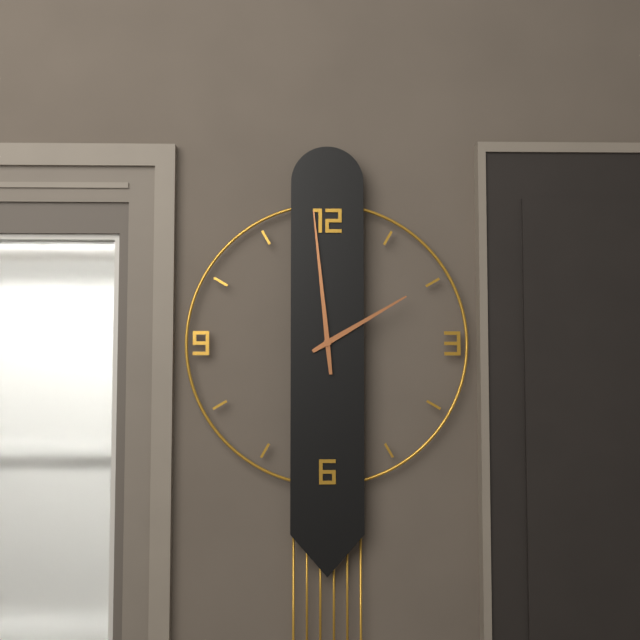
h=1 m=59
